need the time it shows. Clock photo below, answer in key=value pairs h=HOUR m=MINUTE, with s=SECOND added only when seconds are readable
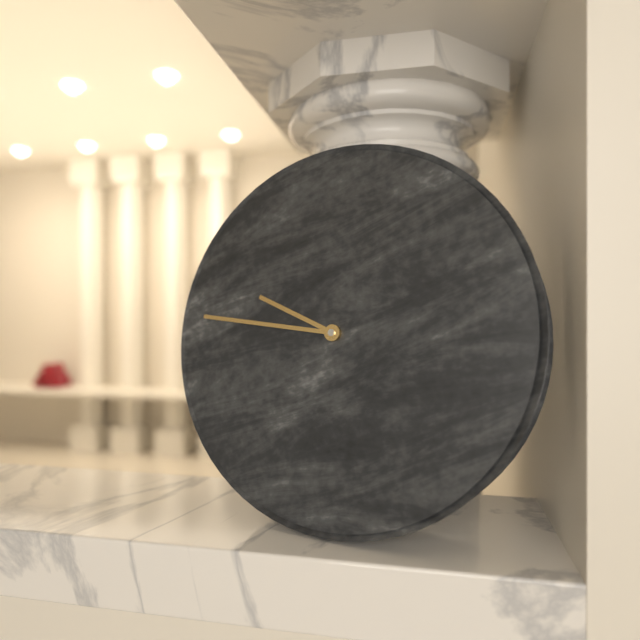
h=9 m=46
